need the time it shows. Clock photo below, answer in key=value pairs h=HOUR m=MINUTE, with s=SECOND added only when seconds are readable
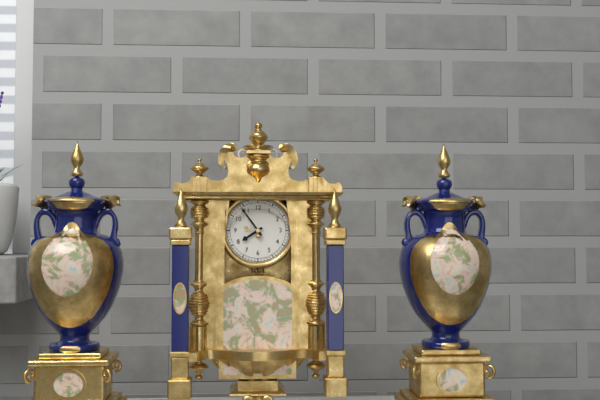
h=7 m=54
